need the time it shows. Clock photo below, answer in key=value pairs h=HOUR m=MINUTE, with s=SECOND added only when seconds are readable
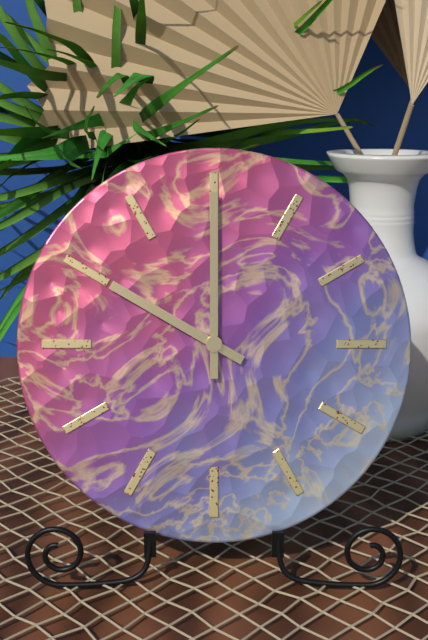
h=10 m=0
